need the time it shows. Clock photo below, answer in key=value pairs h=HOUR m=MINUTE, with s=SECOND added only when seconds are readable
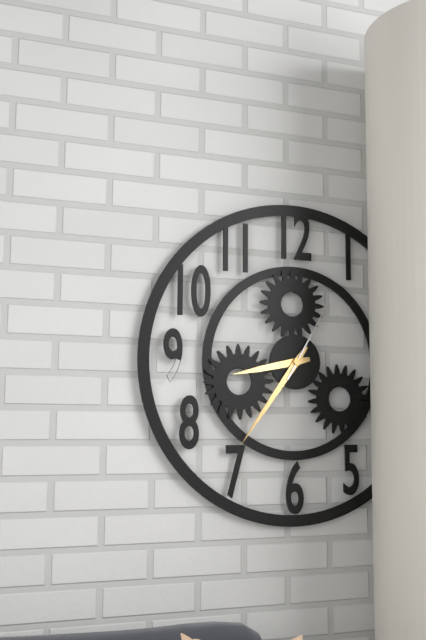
h=8 m=36 s=5
